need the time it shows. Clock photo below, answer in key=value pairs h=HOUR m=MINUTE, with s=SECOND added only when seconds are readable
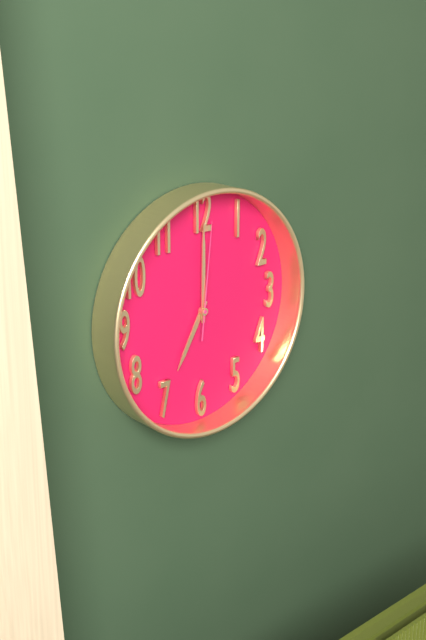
h=7 m=0 s=1
